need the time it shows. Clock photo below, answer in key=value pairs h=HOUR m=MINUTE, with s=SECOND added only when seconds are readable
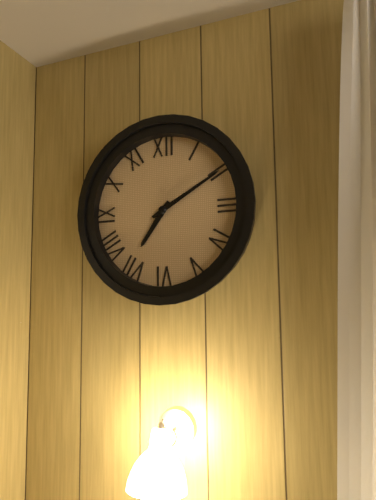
h=7 m=10
